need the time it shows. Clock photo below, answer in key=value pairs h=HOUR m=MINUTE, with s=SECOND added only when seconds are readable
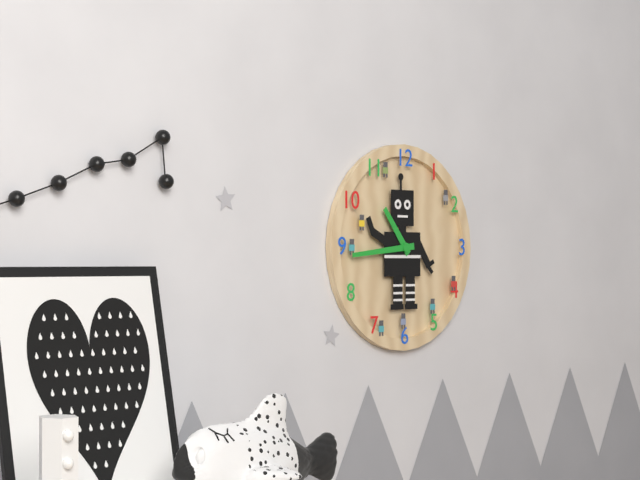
h=10 m=44
